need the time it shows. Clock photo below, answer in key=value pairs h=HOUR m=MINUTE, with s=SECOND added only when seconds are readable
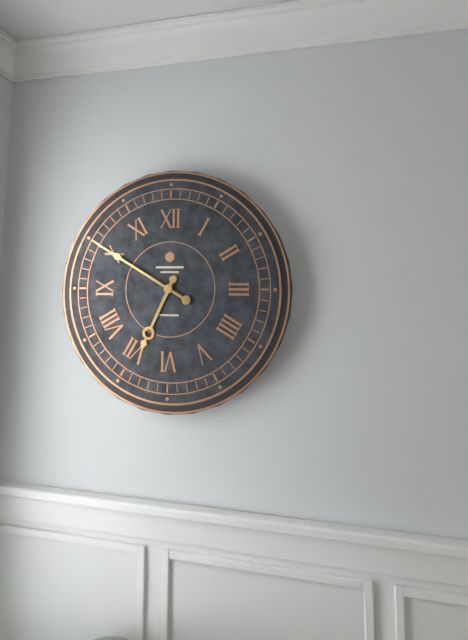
h=6 m=50
